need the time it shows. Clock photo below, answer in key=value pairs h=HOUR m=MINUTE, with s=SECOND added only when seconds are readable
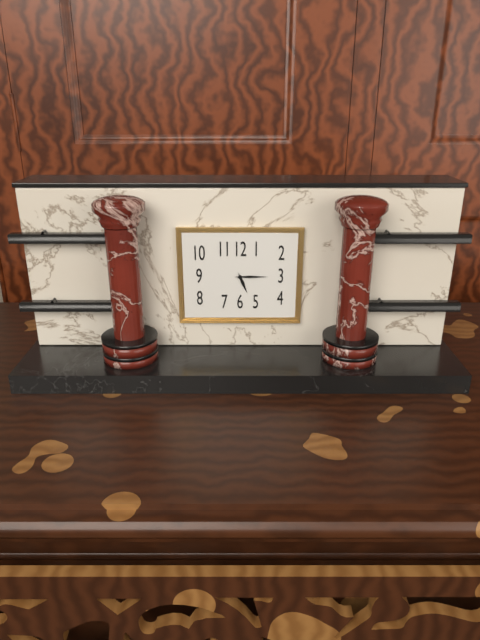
h=5 m=15
